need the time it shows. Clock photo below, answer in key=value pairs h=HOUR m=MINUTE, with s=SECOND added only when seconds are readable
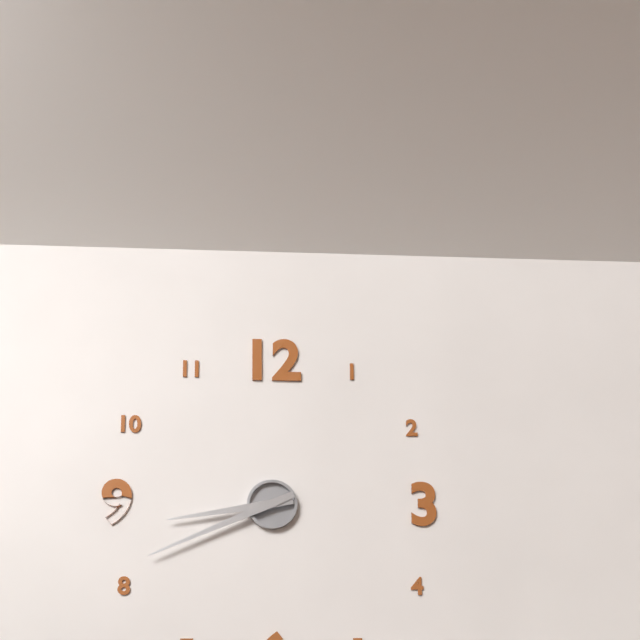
h=8 m=41
